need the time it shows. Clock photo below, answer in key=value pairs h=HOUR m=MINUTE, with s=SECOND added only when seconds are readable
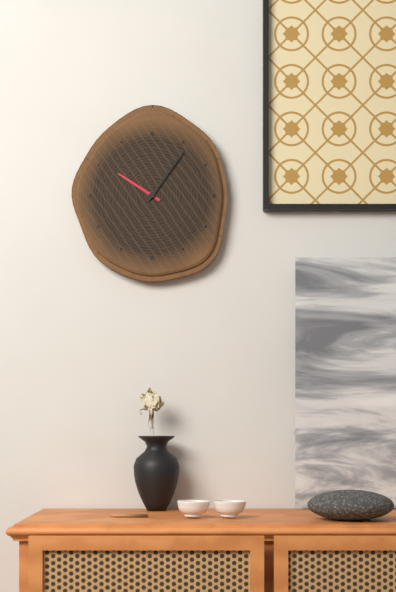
h=10 m=6
